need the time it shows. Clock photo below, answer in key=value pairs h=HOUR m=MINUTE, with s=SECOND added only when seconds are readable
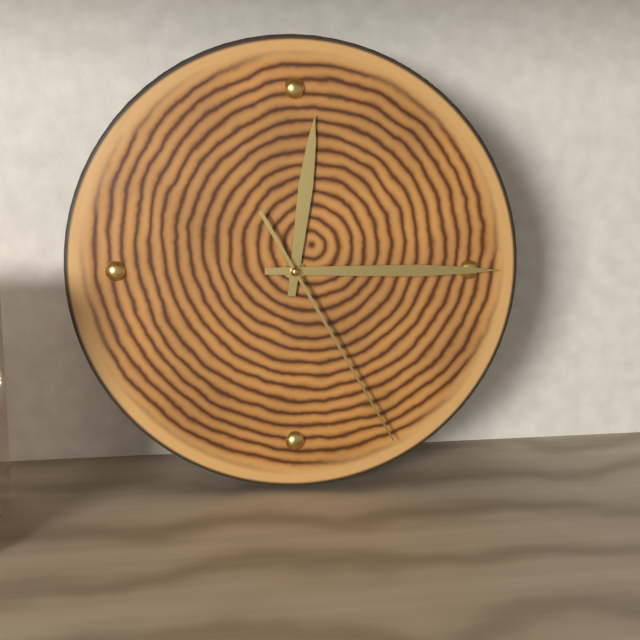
h=12 m=15 s=25
